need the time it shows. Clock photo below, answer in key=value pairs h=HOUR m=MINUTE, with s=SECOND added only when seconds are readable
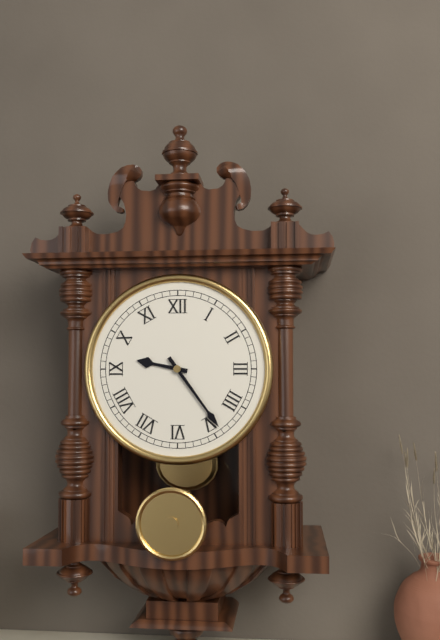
h=9 m=24
